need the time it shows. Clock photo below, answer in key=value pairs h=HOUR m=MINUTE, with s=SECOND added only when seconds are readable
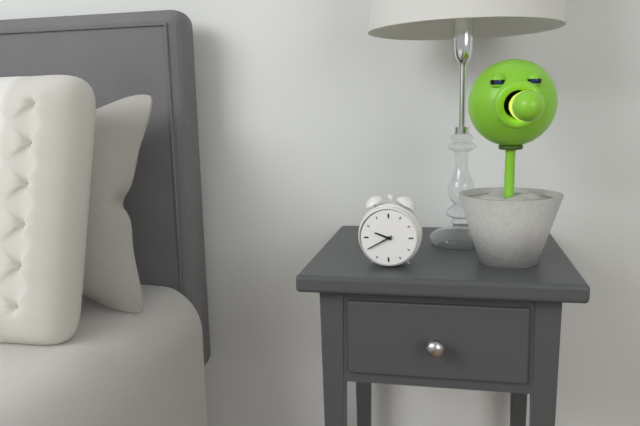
h=9 m=40
